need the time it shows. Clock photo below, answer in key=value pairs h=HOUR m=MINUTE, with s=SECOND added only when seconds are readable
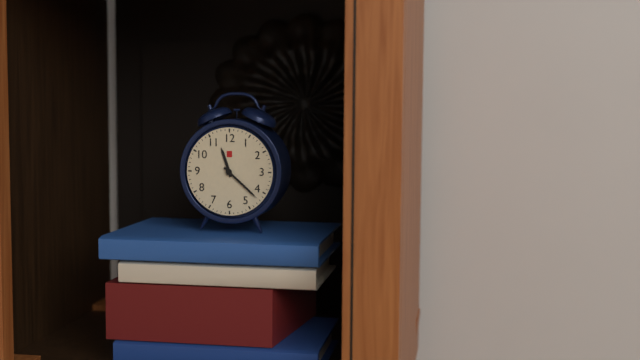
h=11 m=22
